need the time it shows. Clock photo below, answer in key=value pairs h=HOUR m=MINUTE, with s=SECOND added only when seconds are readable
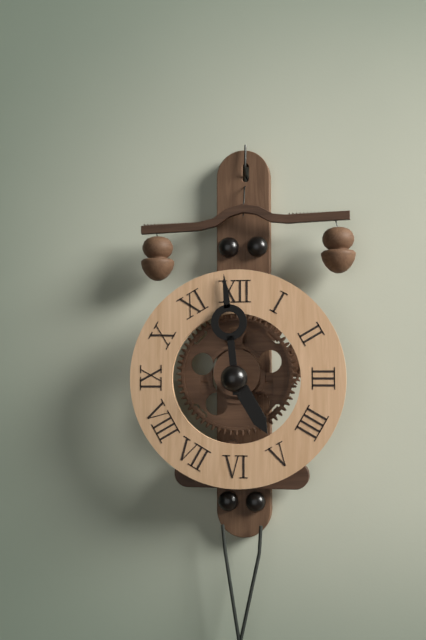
h=4 m=59
